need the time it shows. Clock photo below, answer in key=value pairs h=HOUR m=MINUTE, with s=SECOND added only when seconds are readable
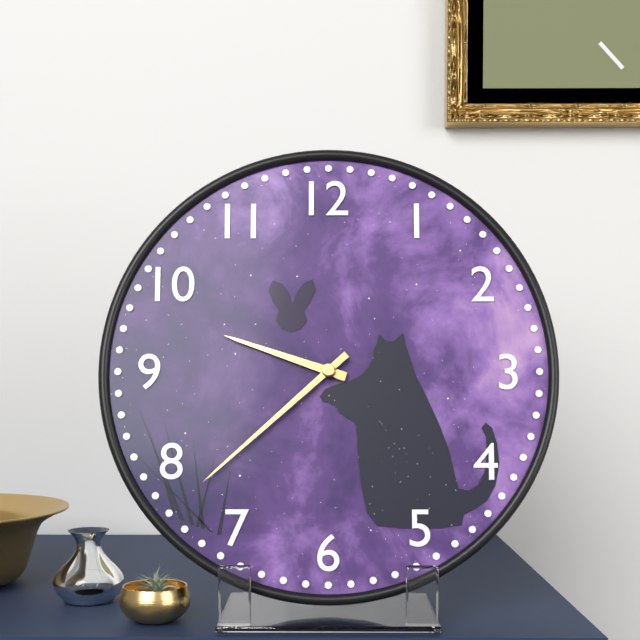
h=9 m=38
